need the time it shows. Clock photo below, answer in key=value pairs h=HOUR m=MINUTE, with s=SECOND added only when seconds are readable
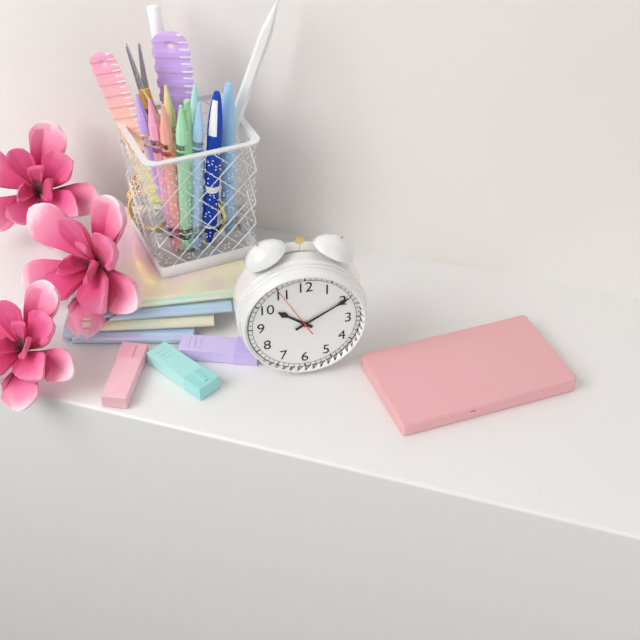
h=10 m=10 s=55
